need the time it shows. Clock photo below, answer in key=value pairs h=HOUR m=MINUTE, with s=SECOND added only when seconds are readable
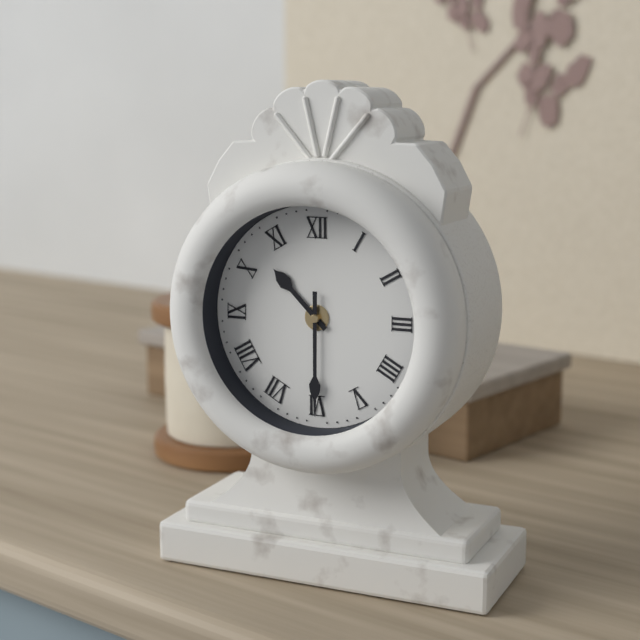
h=10 m=30
